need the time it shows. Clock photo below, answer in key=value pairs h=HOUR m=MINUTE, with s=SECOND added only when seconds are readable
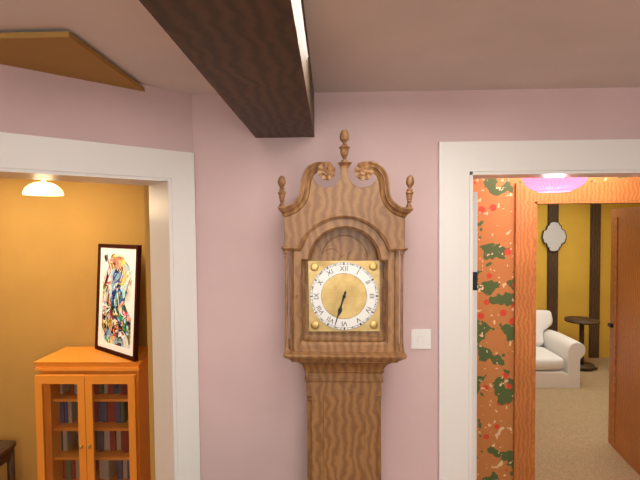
h=6 m=33
